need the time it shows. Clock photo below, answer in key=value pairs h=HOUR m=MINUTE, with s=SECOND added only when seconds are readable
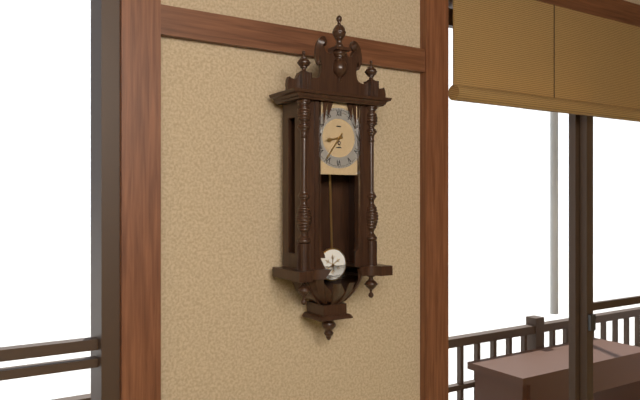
h=8 m=36
